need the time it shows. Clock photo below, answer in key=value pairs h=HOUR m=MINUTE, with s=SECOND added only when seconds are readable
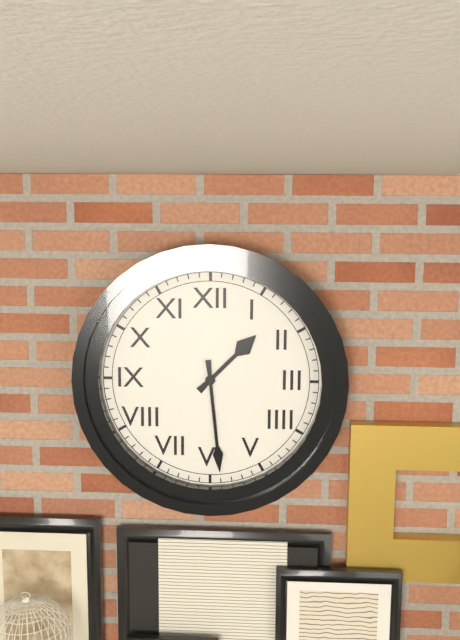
h=1 m=29
